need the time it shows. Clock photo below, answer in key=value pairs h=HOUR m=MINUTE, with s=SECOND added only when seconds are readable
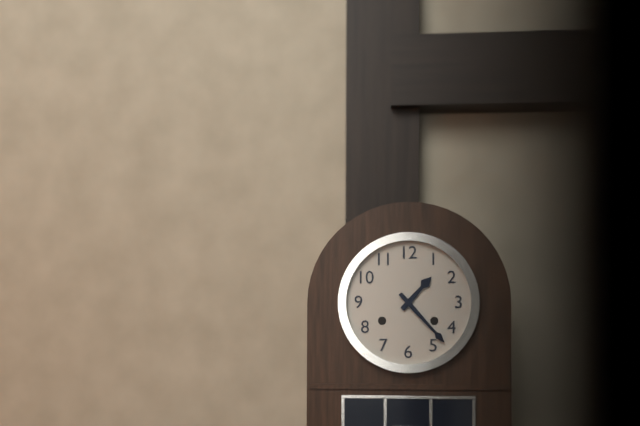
h=1 m=23
